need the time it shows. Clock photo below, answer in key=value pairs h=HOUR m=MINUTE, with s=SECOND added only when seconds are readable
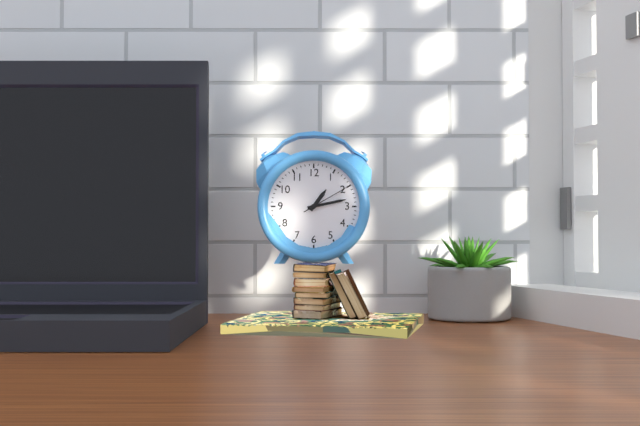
h=1 m=13
